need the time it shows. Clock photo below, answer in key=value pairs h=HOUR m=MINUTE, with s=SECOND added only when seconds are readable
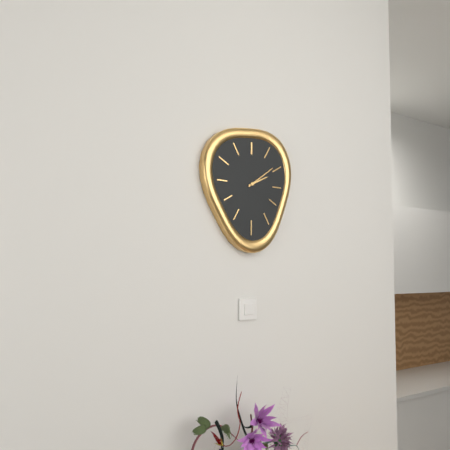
h=2 m=9
